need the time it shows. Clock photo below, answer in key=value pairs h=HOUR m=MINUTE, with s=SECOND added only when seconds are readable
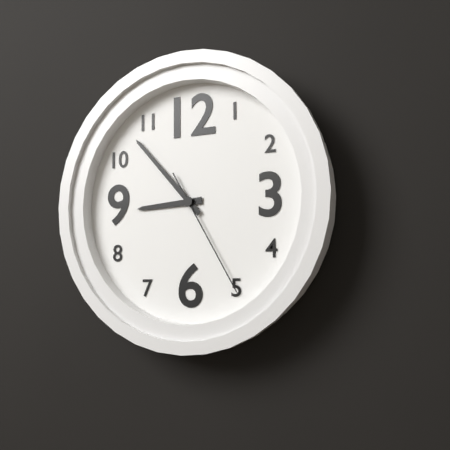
h=8 m=53 s=25
